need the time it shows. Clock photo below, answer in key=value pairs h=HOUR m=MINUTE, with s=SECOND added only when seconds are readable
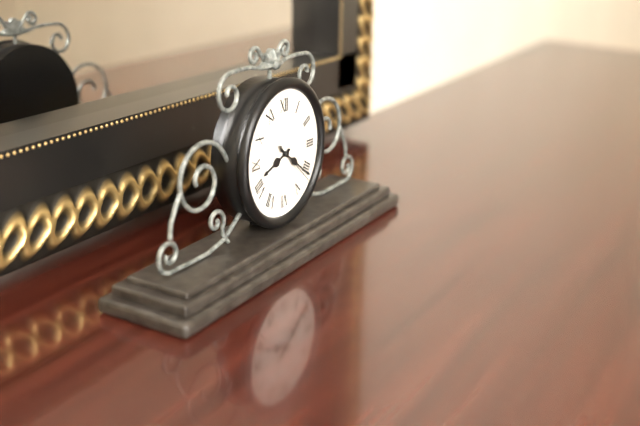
h=8 m=21 s=22
